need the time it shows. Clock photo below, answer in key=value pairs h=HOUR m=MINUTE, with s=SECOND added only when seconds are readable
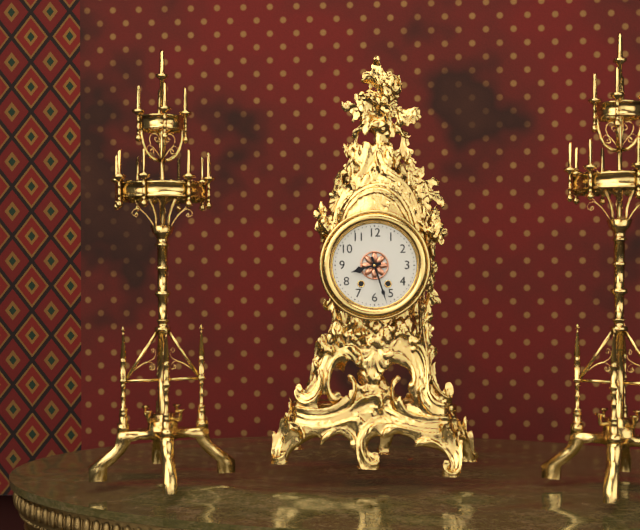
h=8 m=27
